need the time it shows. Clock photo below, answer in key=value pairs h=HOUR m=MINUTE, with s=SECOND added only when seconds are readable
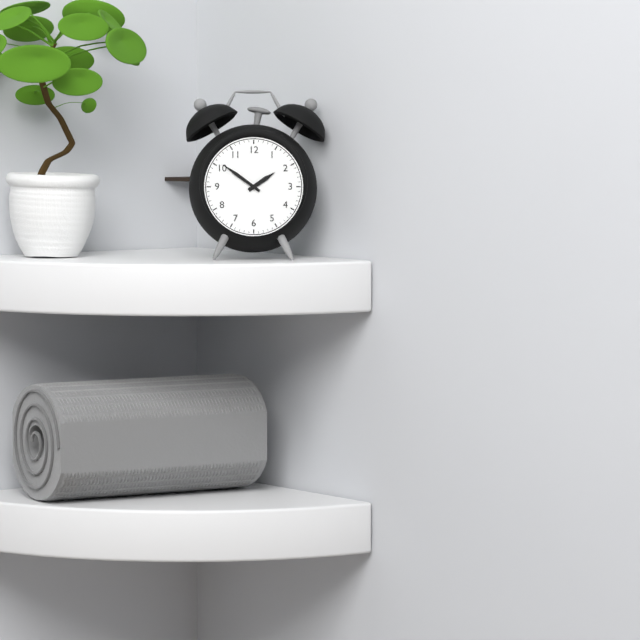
h=1 m=51
